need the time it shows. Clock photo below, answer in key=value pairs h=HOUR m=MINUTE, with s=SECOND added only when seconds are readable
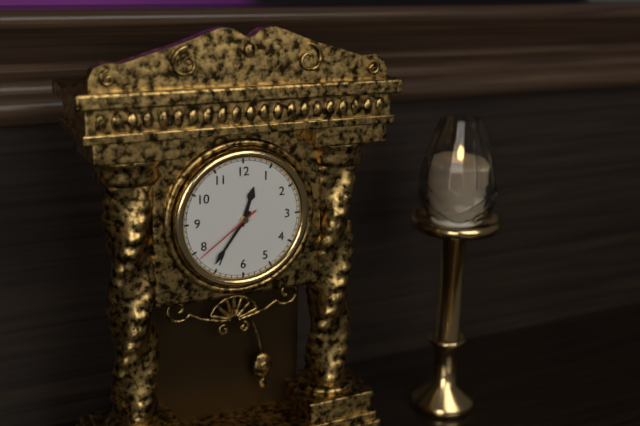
h=12 m=36 s=39
